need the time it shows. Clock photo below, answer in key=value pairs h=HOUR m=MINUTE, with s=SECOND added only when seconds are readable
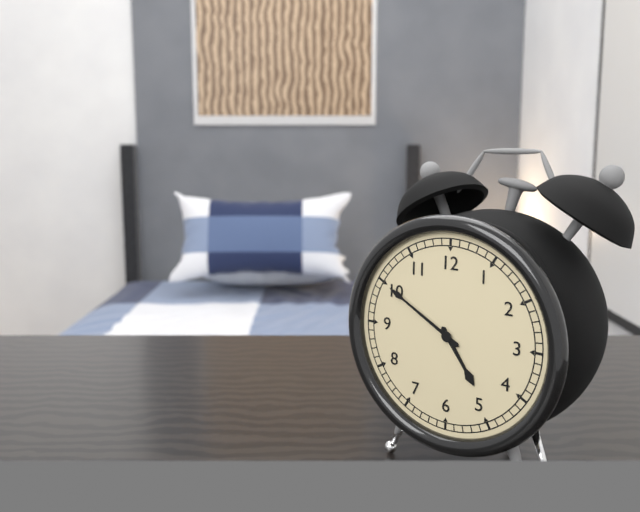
h=4 m=50
